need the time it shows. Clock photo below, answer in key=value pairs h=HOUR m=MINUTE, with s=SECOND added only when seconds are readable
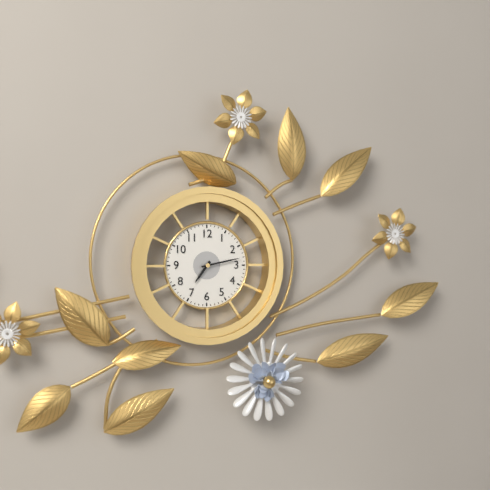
h=7 m=13
